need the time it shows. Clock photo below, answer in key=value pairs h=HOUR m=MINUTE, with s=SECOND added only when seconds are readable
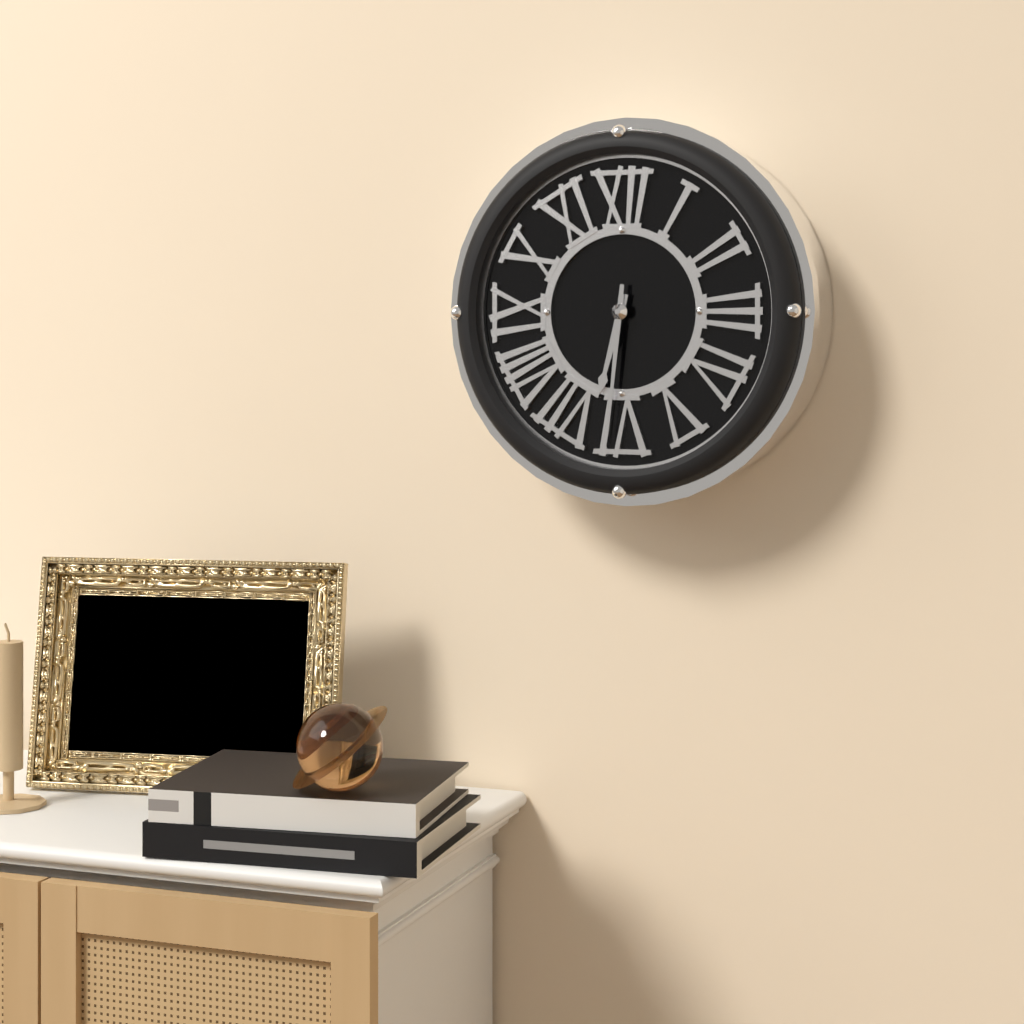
h=6 m=31
